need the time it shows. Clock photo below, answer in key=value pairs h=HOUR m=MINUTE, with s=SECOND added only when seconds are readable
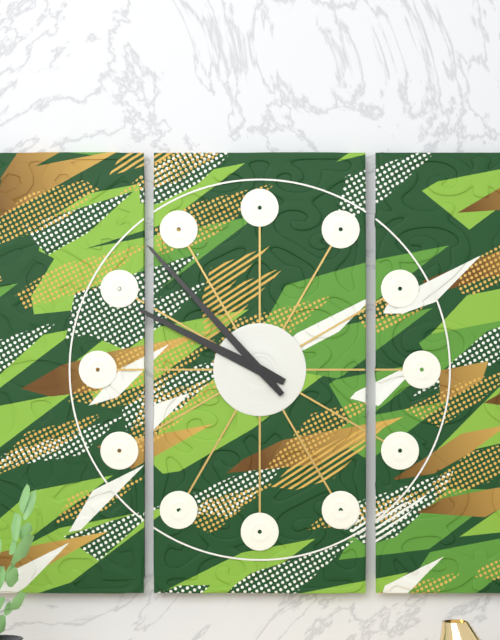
h=9 m=53
